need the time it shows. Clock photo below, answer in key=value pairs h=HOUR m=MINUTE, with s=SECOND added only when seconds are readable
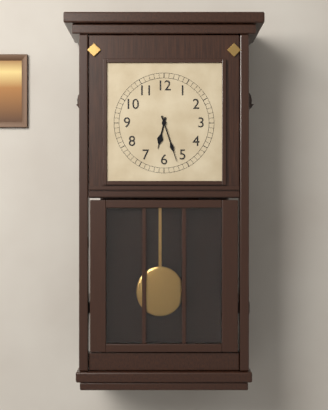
h=6 m=27
